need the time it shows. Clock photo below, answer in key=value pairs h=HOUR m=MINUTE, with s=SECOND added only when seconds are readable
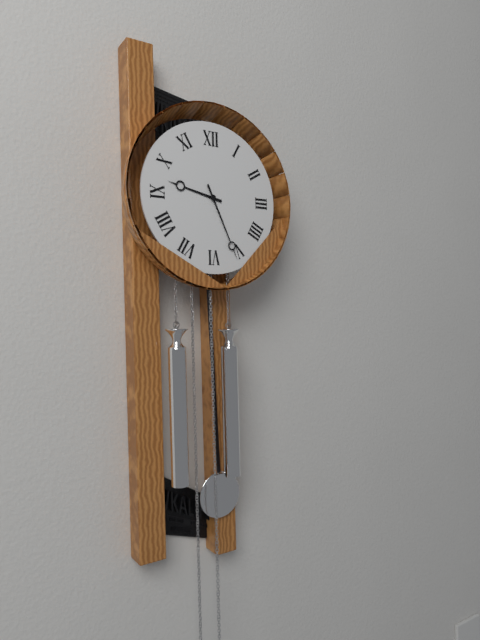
h=9 m=26
